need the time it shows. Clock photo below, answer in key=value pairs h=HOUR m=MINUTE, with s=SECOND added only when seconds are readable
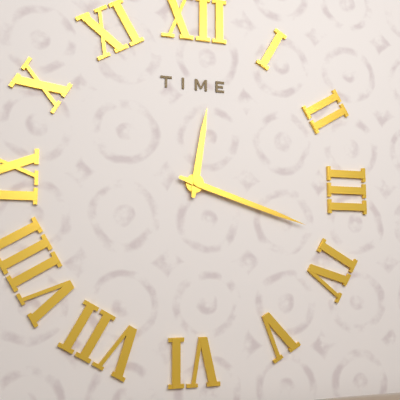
h=12 m=18
